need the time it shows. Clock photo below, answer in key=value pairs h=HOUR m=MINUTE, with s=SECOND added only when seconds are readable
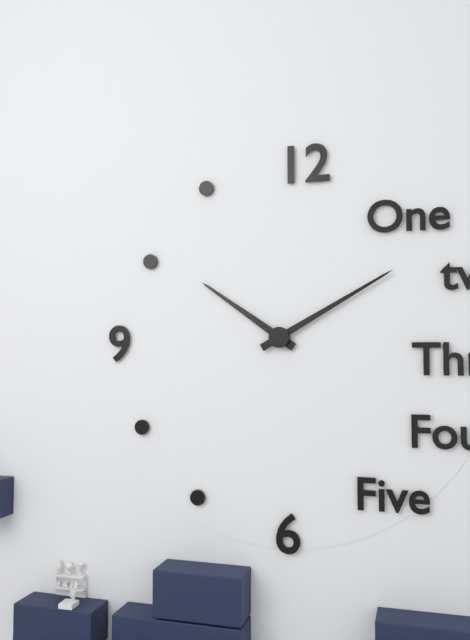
h=10 m=10
